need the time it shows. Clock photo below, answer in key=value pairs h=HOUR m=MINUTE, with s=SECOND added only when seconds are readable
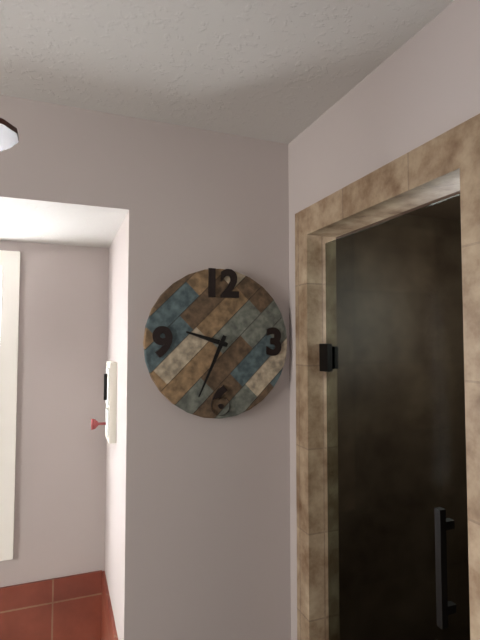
h=9 m=34
